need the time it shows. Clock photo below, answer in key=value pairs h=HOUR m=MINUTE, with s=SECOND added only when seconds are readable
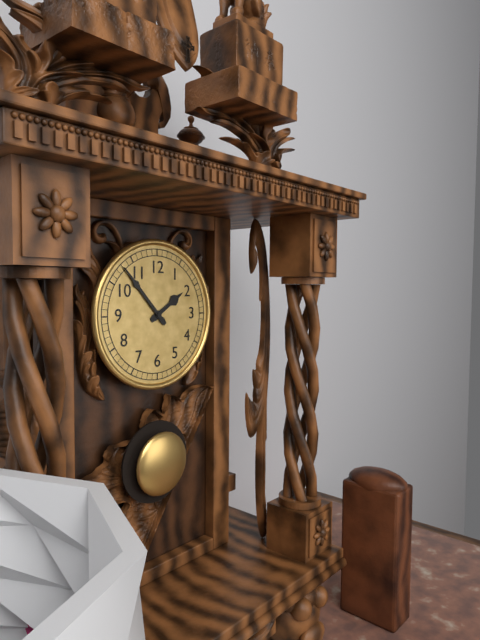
h=1 m=53
